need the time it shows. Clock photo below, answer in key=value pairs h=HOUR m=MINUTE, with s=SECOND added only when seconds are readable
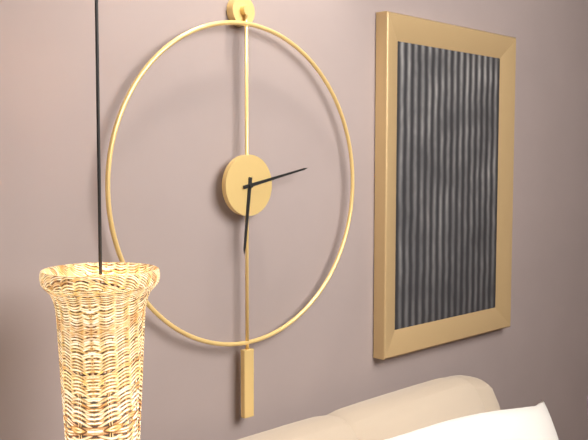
h=6 m=13
